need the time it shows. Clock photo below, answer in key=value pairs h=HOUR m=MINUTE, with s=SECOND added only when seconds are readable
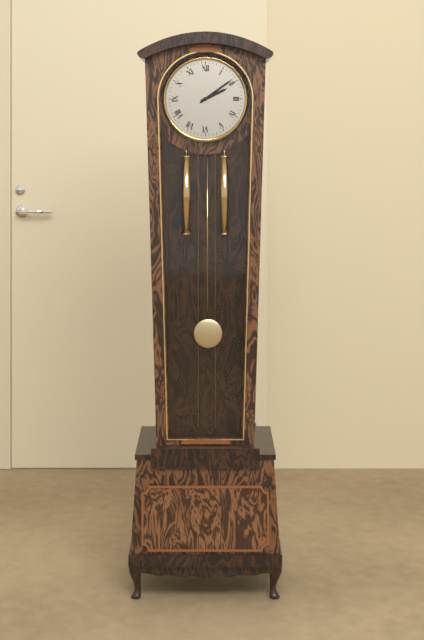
h=2 m=9
